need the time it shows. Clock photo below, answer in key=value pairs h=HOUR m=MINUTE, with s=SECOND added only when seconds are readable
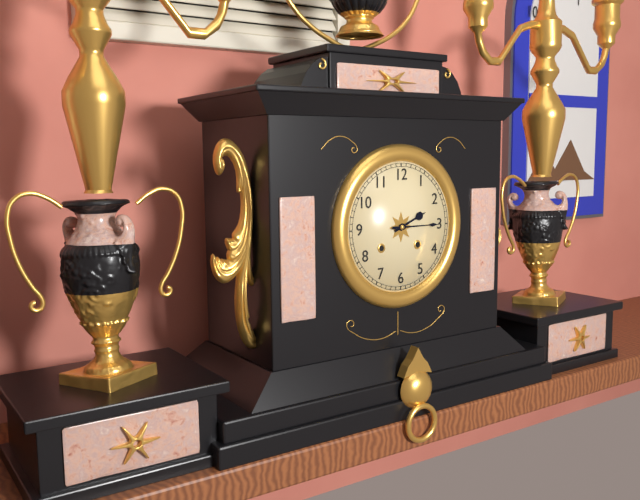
h=2 m=15
